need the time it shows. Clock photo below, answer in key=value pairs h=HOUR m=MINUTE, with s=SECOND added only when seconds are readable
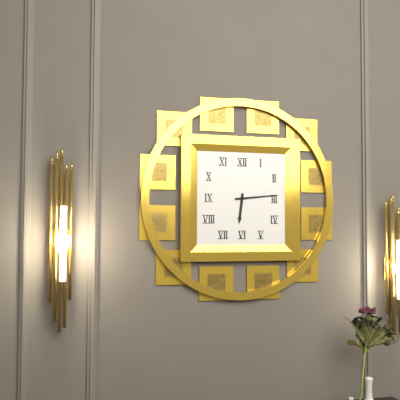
h=6 m=14
